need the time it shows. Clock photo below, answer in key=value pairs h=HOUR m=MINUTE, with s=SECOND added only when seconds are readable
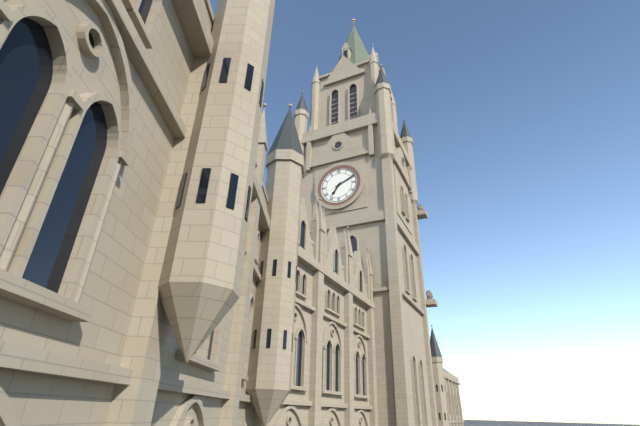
h=7 m=11
